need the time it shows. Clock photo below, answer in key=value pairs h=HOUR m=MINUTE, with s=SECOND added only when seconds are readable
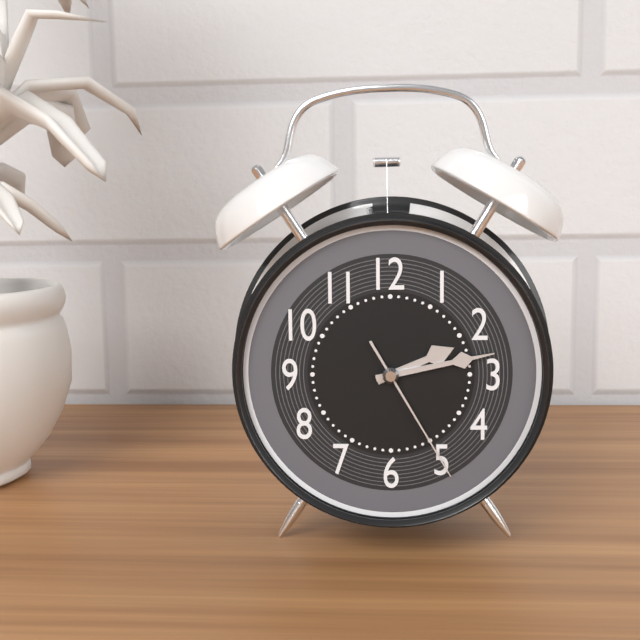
h=2 m=13 s=25
